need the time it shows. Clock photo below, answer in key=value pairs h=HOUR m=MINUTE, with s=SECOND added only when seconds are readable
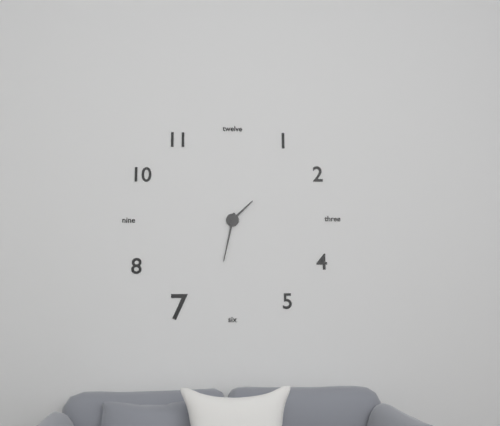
h=1 m=32
